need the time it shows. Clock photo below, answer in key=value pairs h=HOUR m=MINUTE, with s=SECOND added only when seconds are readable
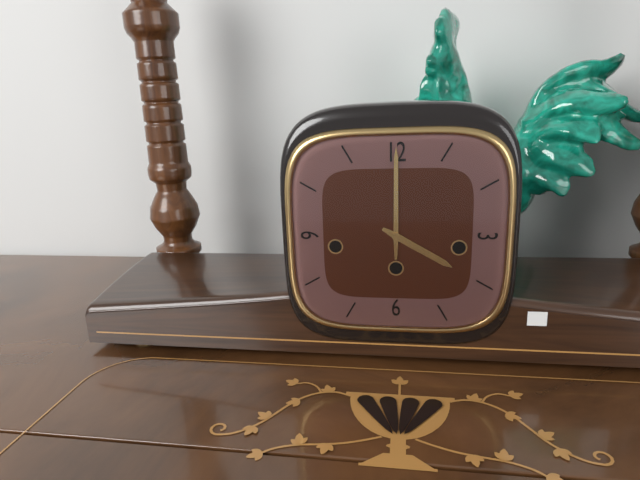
h=4 m=0
